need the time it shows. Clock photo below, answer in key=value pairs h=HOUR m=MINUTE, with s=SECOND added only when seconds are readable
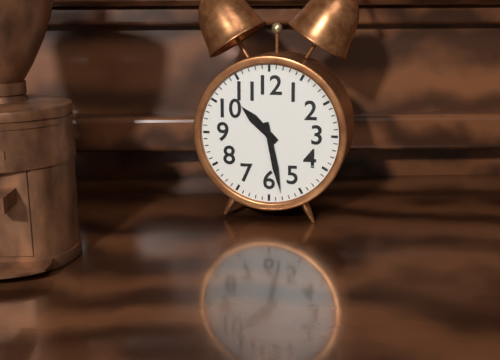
h=10 m=28
